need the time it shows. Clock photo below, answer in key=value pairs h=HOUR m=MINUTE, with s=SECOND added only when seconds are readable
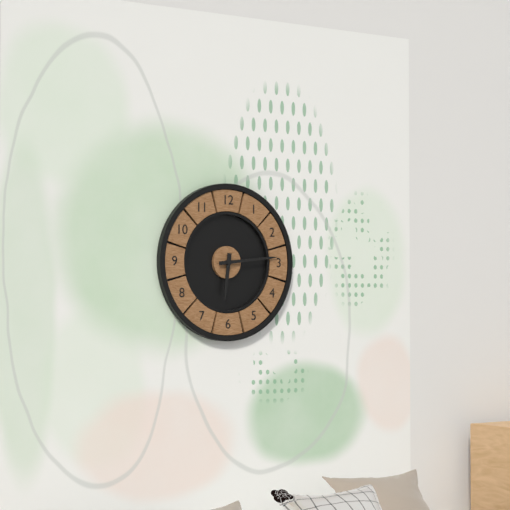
h=6 m=14
